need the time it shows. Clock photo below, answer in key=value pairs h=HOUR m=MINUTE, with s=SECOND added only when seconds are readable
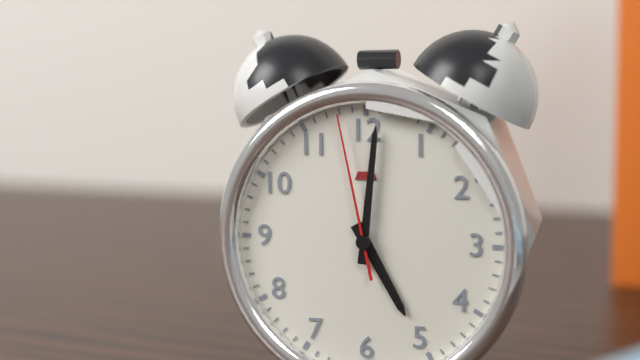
h=5 m=1 s=58
